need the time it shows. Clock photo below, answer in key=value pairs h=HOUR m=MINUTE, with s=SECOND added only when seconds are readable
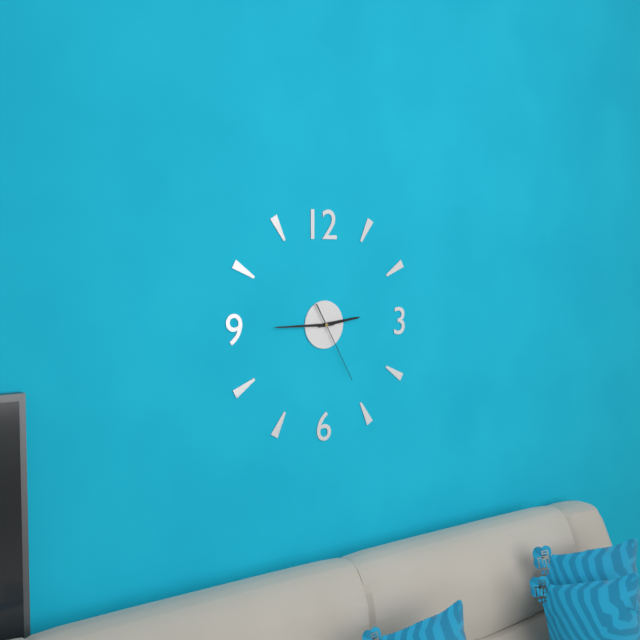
h=2 m=45 s=25
